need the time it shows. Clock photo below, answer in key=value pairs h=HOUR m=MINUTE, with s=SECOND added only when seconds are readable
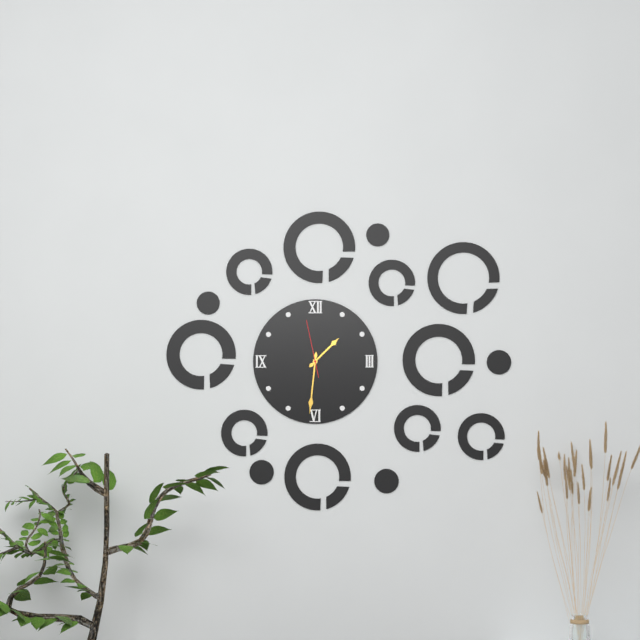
h=1 m=31 s=58
